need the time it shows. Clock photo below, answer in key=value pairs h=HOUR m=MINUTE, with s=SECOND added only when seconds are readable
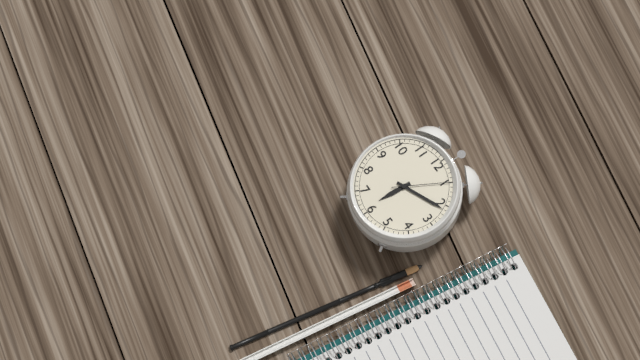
h=6 m=11 s=5
